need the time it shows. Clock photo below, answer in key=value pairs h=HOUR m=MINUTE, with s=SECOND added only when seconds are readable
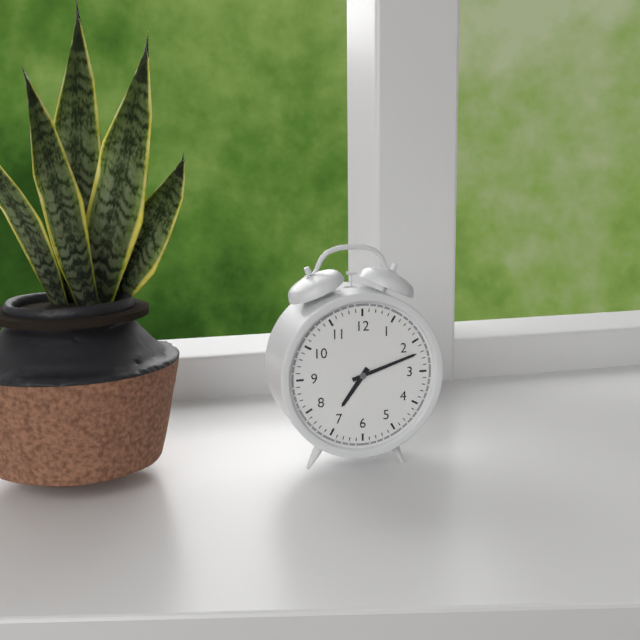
h=7 m=12
